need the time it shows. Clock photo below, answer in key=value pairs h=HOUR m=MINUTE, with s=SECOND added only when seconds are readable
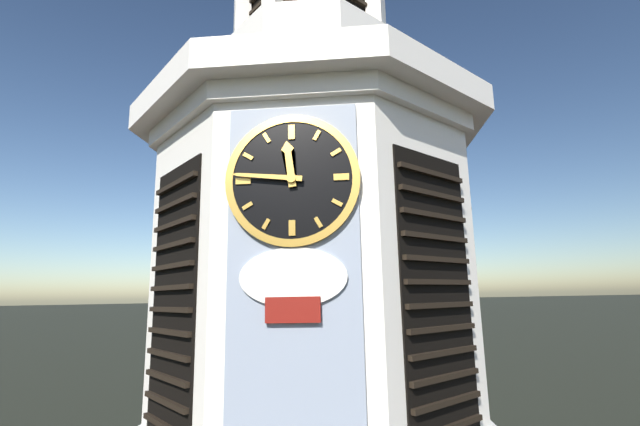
h=11 m=46
